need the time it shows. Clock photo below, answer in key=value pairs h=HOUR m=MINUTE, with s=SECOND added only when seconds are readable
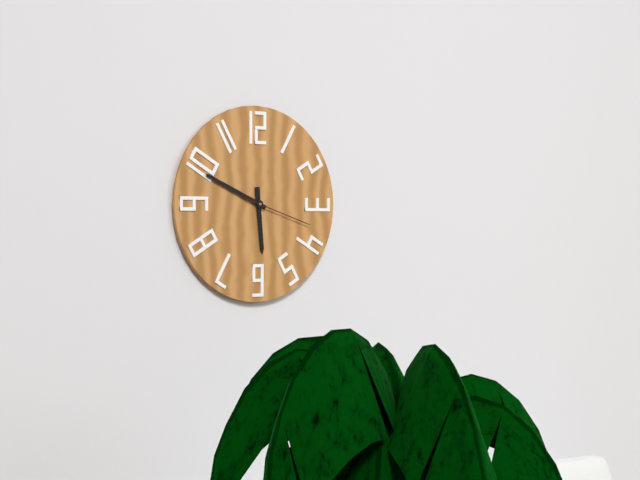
h=5 m=49 s=18
